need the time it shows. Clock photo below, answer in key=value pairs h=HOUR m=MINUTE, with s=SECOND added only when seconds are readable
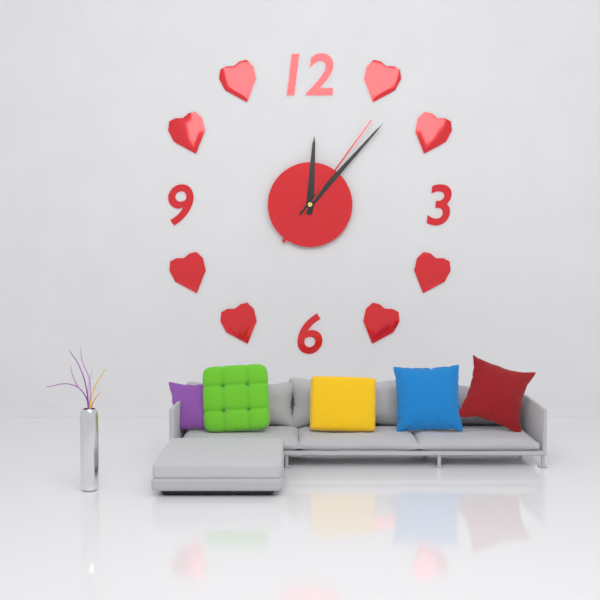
h=12 m=7 s=6
